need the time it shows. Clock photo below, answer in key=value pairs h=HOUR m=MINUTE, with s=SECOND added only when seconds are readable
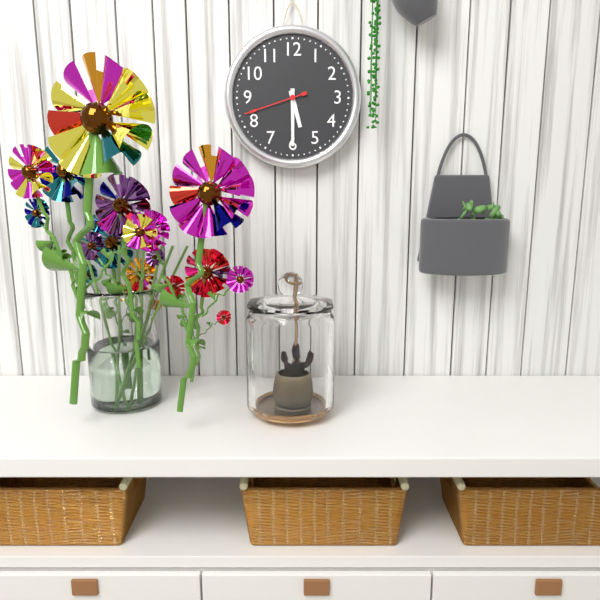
h=5 m=30 s=42
